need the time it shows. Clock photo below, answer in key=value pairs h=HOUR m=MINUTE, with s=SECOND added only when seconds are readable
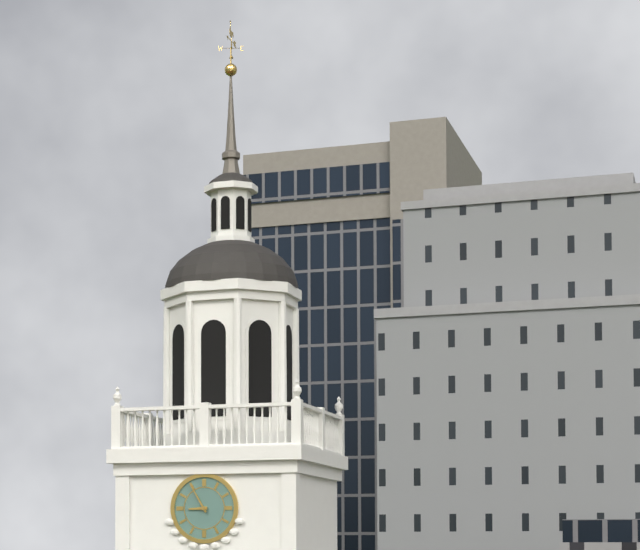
h=8 m=55
